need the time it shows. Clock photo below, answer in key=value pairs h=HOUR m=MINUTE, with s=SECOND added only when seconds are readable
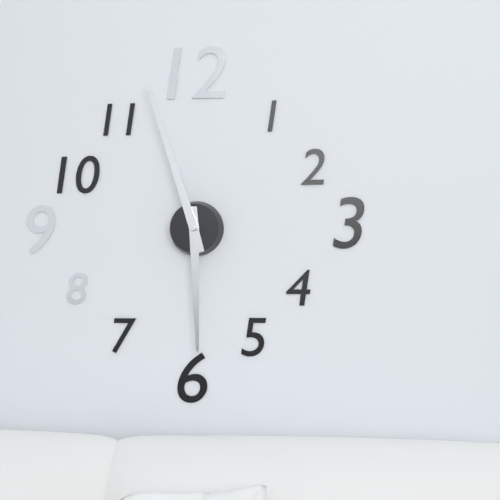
h=5 m=57
